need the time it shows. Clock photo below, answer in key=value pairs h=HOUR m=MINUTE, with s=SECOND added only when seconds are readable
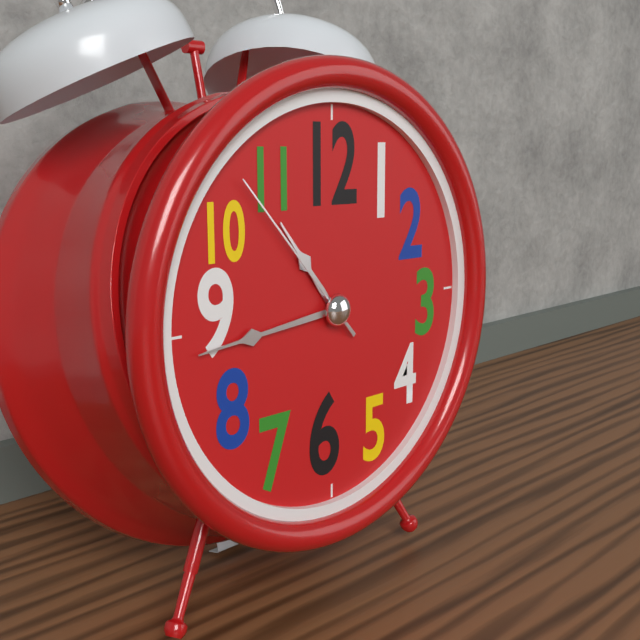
h=10 m=44 s=53
